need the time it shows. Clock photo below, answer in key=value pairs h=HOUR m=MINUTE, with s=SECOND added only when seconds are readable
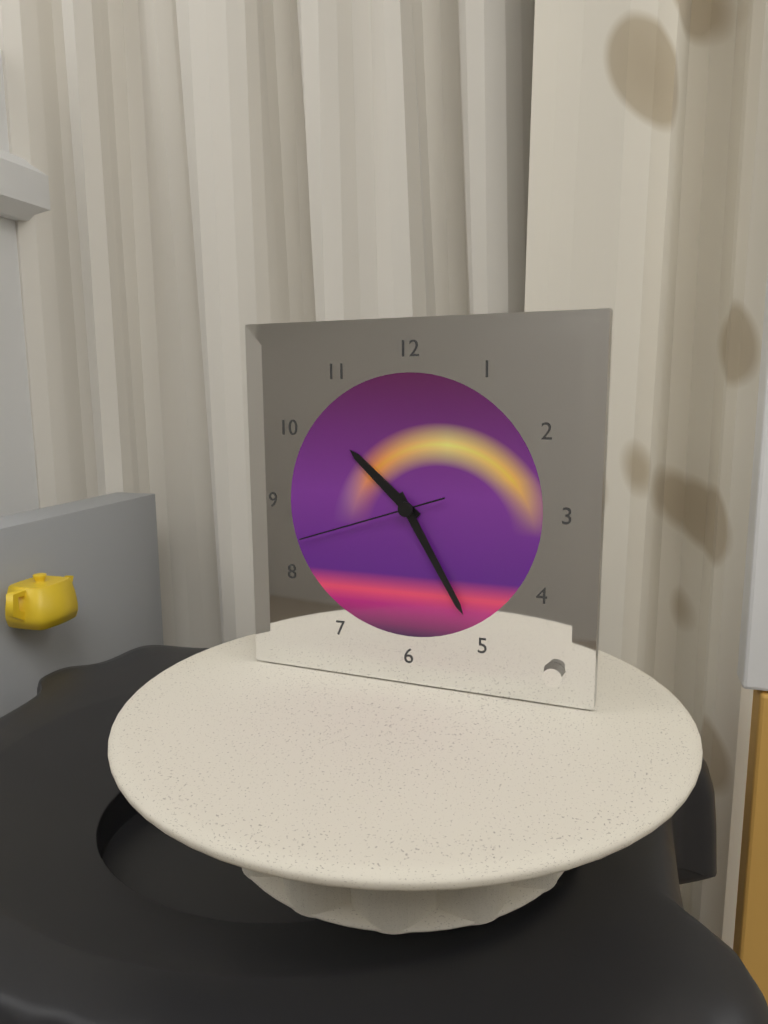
h=10 m=25 s=42
